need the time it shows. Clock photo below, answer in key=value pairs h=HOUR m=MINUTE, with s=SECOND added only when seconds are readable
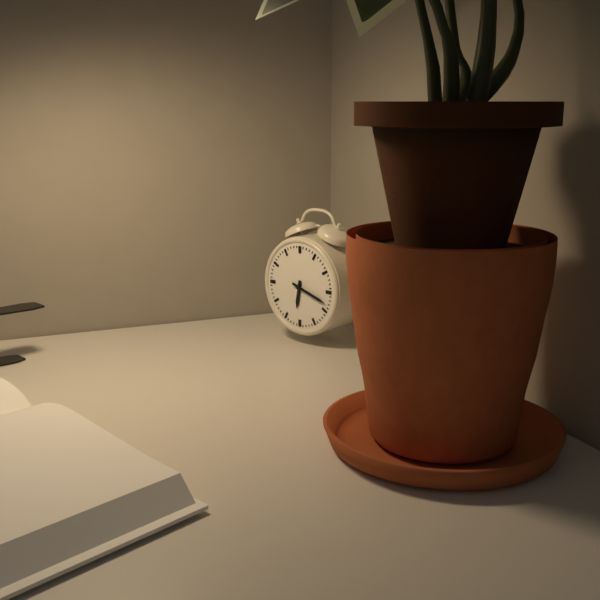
h=6 m=18
